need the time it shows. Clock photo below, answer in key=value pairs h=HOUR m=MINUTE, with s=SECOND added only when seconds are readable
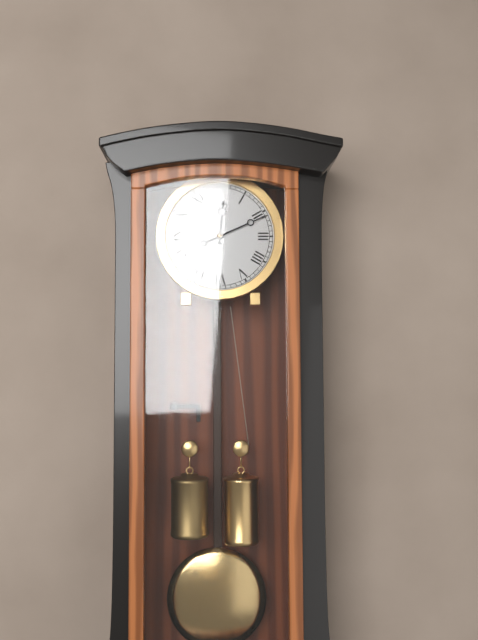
h=12 m=11
